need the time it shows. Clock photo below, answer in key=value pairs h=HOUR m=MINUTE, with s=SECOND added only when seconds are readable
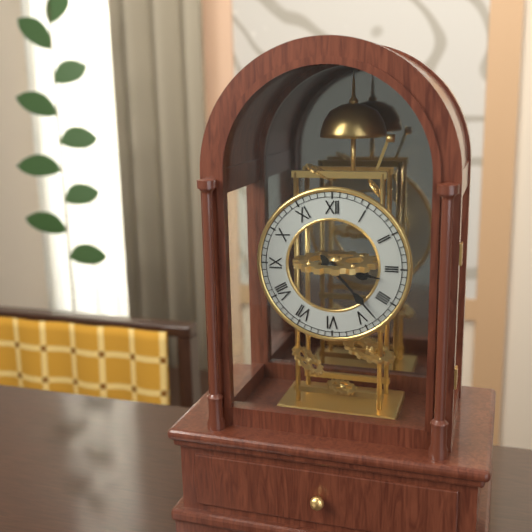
h=3 m=23
